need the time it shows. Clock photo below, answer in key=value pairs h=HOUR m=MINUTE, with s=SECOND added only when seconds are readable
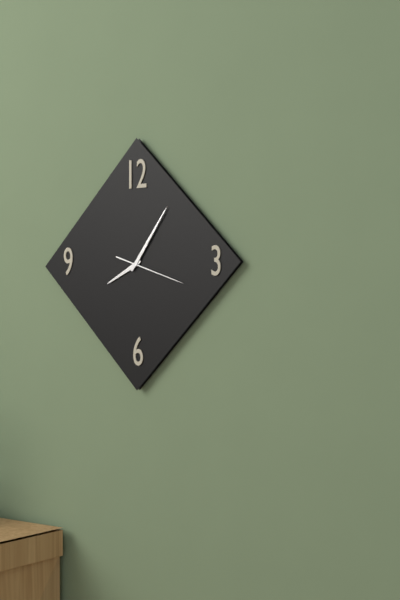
h=8 m=6 s=18
